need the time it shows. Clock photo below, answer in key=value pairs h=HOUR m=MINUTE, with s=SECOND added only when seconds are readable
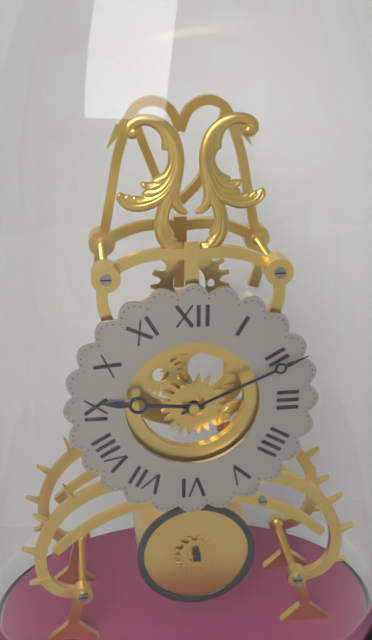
h=9 m=11
